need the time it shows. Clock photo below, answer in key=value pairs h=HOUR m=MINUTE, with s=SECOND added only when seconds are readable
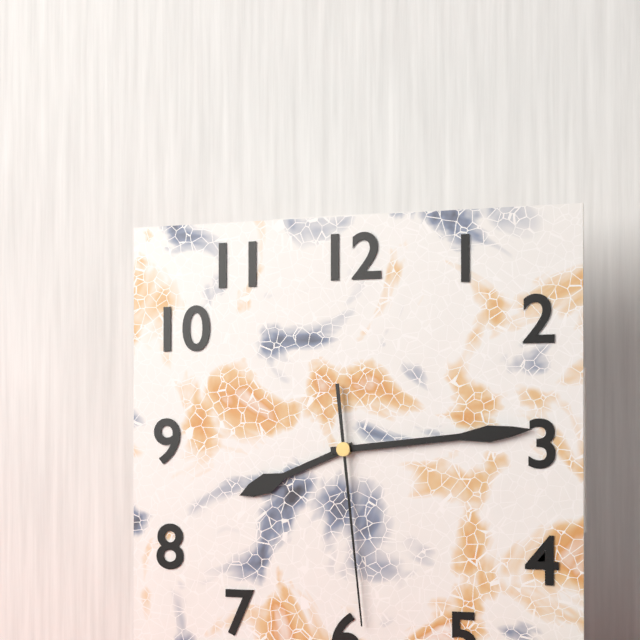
h=8 m=14 s=29
